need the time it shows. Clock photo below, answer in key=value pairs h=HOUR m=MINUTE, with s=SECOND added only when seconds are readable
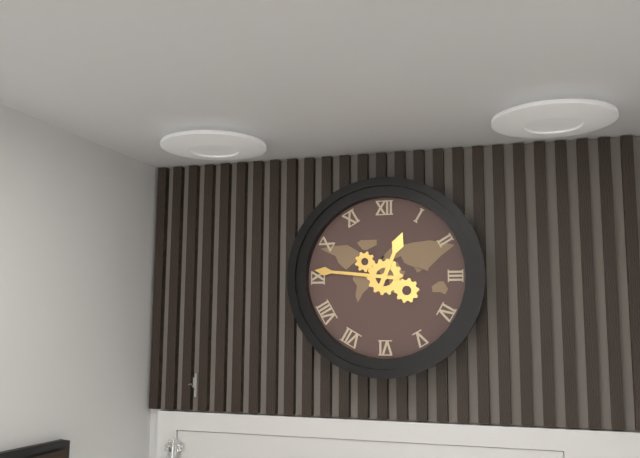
h=12 m=46
